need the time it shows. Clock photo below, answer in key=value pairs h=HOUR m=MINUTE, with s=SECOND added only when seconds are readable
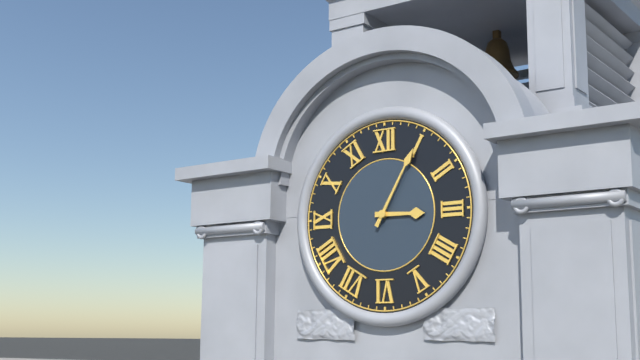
h=3 m=5
